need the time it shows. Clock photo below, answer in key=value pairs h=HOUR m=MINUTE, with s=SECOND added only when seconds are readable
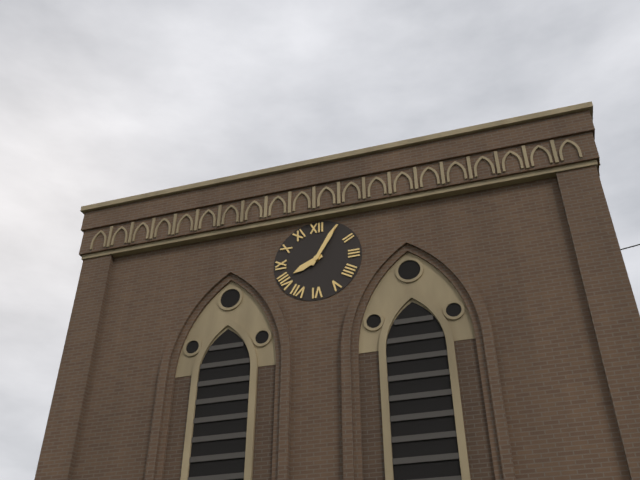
h=8 m=5
